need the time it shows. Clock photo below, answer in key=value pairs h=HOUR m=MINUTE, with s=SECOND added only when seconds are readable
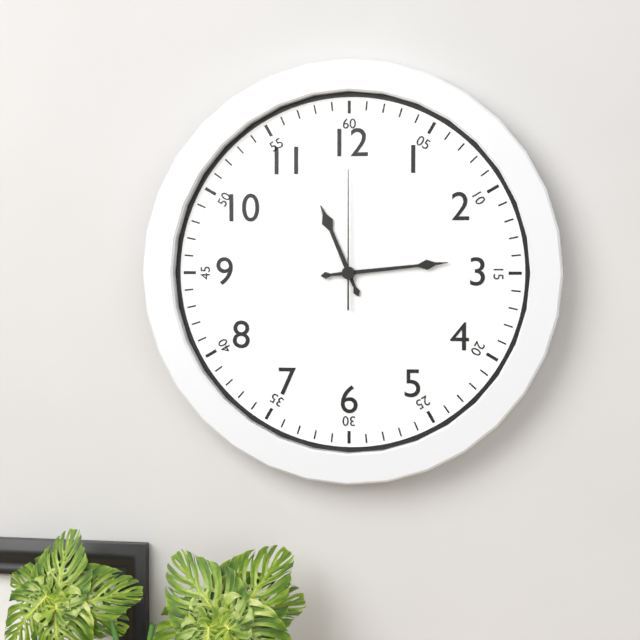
h=11 m=14 s=0
